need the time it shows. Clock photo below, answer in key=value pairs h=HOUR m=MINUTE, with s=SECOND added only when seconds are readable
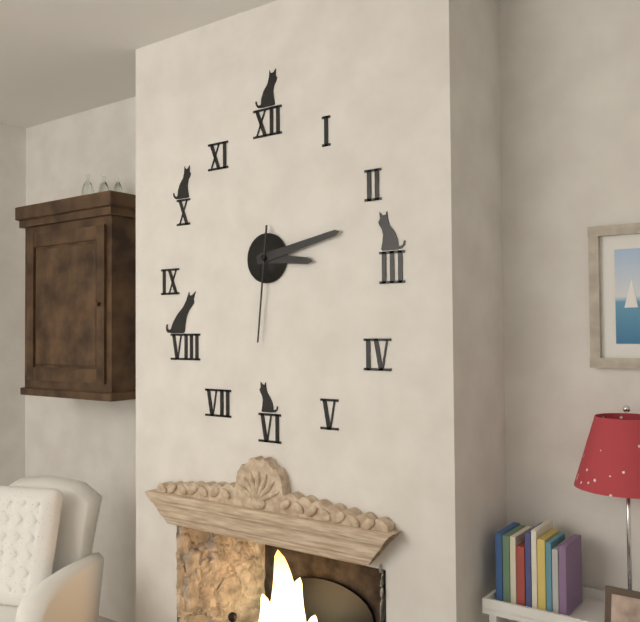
h=3 m=13 s=31
